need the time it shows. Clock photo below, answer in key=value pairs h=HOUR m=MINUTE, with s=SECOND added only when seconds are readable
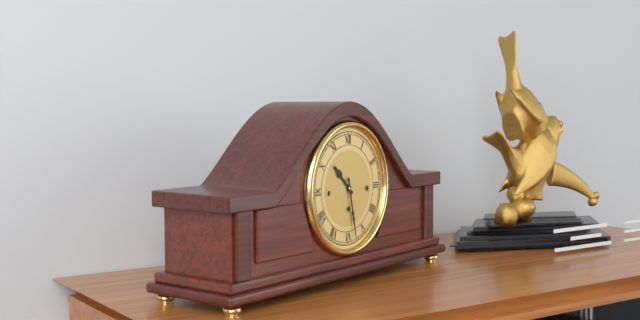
h=10 m=28
